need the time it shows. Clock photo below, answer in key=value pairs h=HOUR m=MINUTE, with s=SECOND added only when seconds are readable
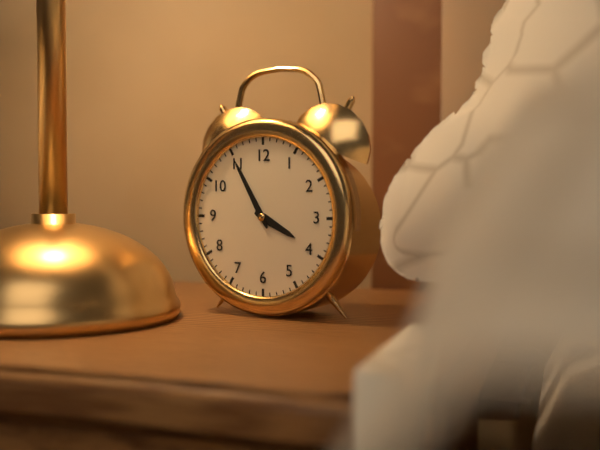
h=3 m=55
